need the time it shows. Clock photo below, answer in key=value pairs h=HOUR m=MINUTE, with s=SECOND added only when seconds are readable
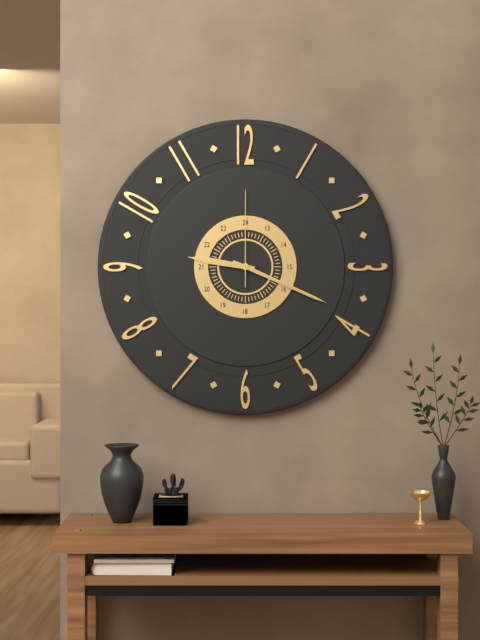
h=9 m=19 s=0
